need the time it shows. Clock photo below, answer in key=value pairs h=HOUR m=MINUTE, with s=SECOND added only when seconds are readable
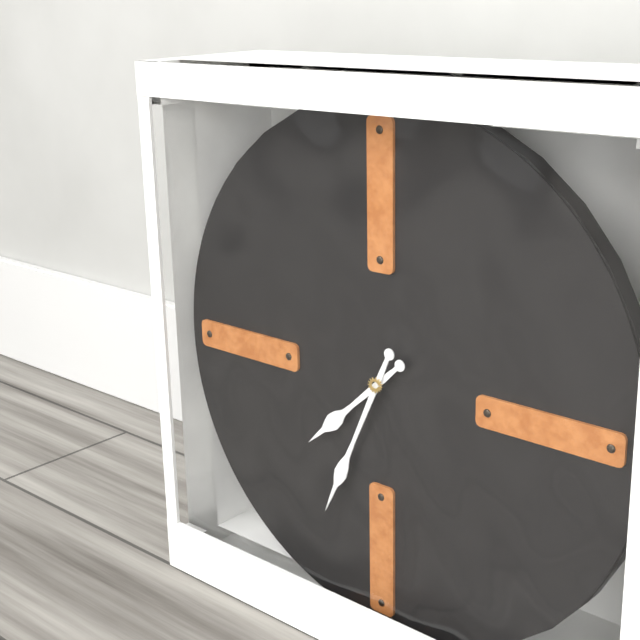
h=7 m=34
